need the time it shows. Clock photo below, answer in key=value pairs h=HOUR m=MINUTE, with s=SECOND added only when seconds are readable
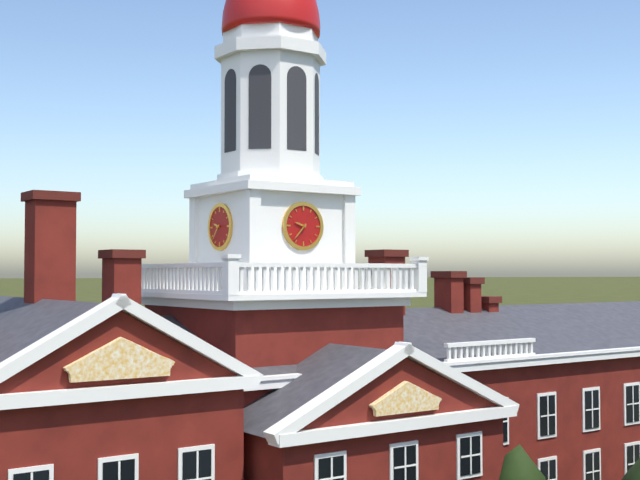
h=9 m=37
